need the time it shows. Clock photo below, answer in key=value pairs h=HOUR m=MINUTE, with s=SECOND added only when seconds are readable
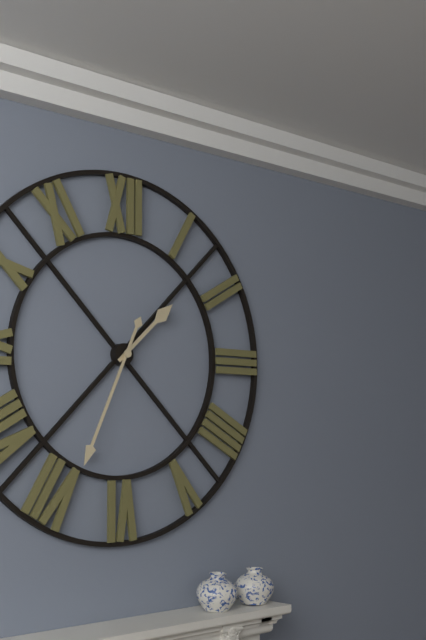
h=1 m=34
